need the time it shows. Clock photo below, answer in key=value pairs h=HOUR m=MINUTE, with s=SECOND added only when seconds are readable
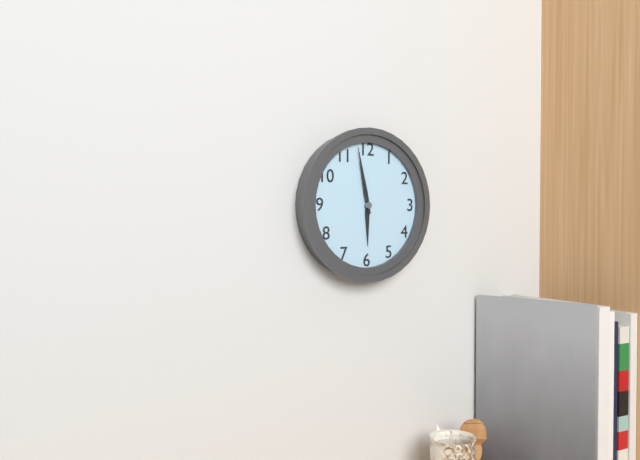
h=5 m=58
